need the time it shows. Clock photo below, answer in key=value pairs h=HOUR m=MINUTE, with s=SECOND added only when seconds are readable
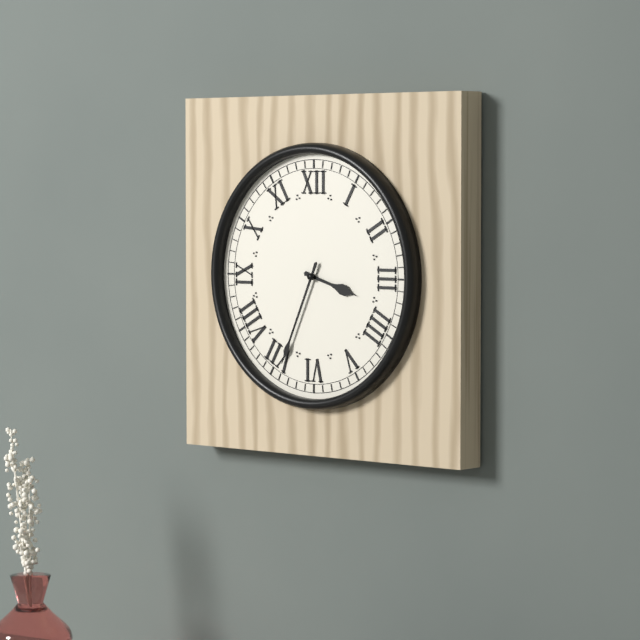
h=3 m=34
